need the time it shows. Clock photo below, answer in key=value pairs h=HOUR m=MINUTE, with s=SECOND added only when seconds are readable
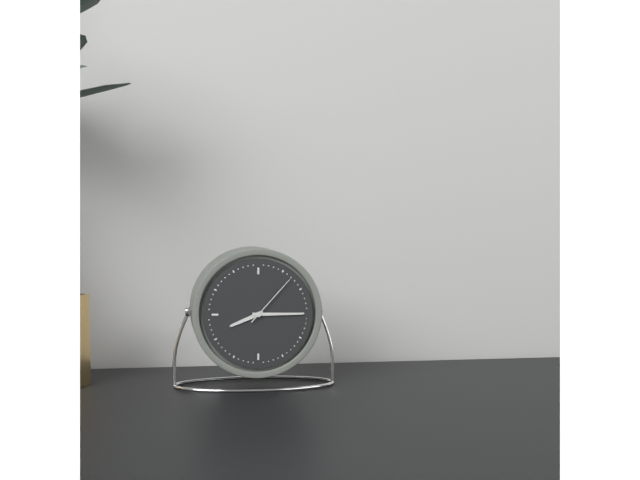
h=8 m=15 s=7
